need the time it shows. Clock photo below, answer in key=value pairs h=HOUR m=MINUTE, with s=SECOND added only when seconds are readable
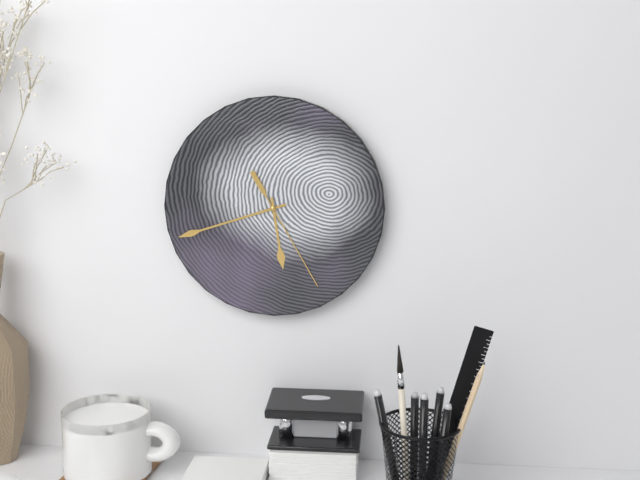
h=5 m=42 s=25
